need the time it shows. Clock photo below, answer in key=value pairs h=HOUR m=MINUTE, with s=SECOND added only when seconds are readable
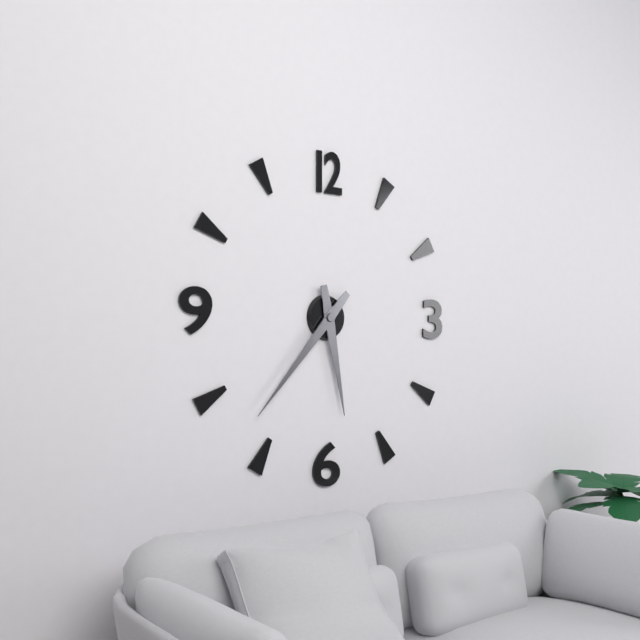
h=5 m=37
